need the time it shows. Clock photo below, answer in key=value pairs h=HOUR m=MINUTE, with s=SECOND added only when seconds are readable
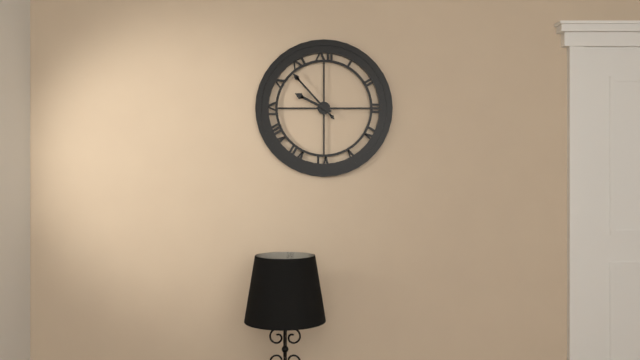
h=9 m=53
